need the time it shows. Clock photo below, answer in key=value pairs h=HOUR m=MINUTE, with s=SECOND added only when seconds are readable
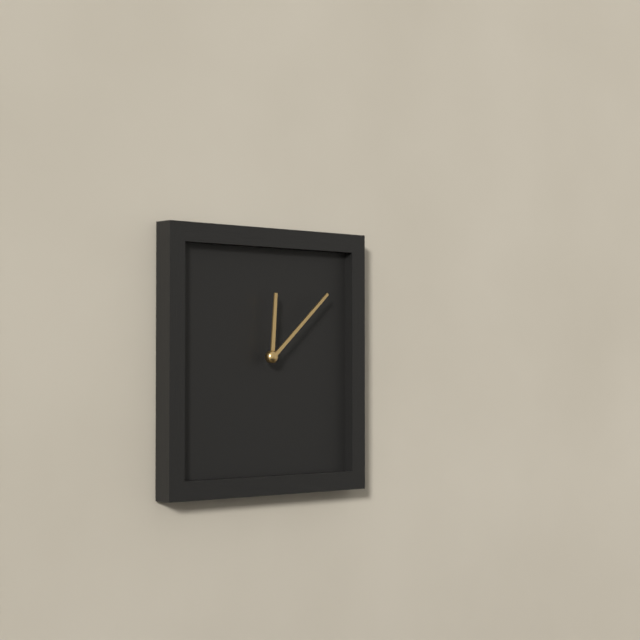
h=12 m=8
